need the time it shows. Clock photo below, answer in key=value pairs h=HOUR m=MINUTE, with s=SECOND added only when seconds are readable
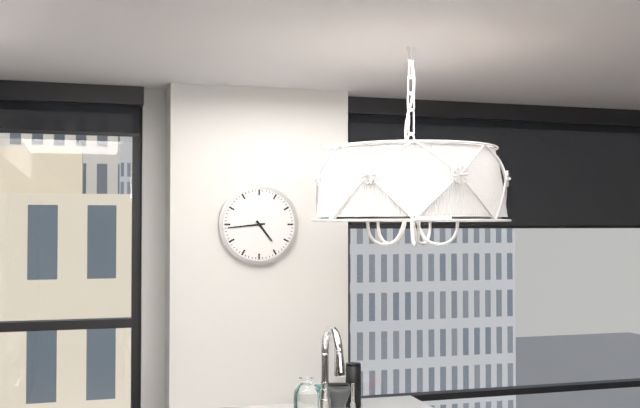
h=4 m=44
